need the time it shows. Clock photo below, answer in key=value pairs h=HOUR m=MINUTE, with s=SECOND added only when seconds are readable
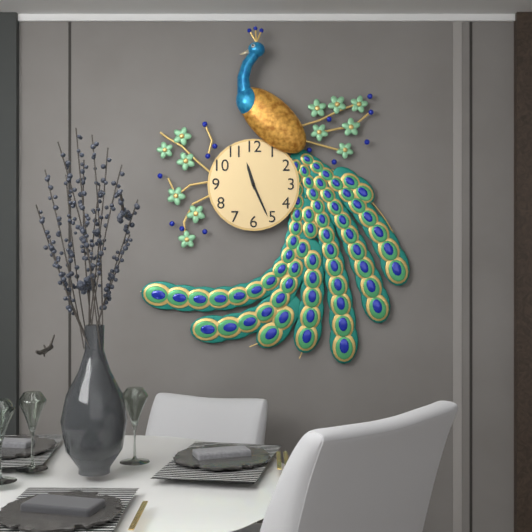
h=11 m=26
